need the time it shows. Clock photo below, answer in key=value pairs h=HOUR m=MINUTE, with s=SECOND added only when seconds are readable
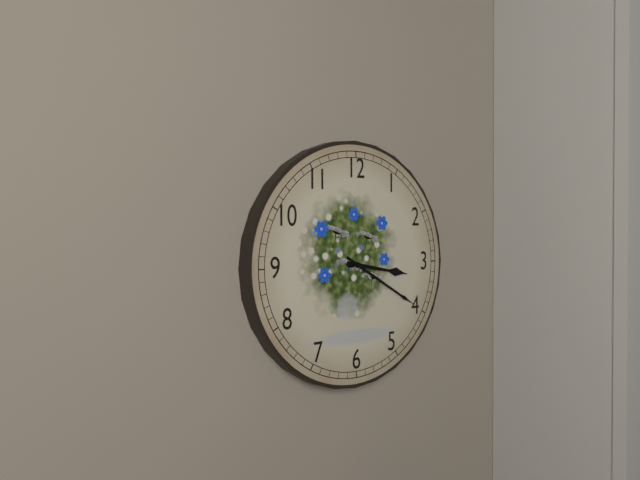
h=3 m=20
